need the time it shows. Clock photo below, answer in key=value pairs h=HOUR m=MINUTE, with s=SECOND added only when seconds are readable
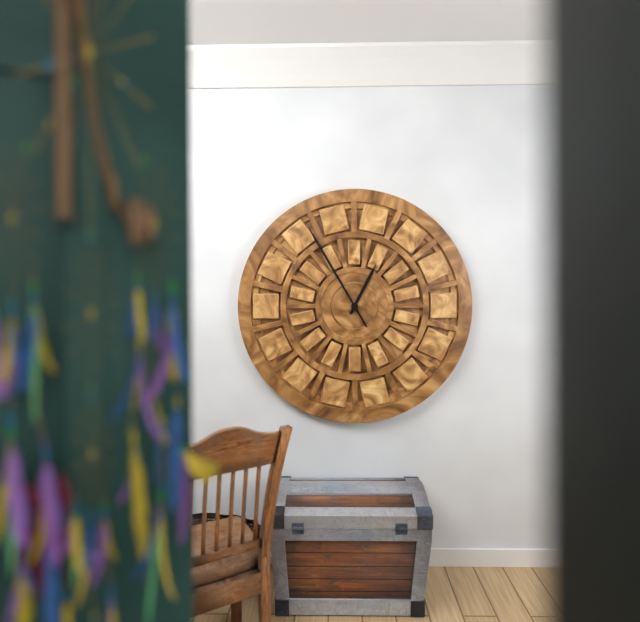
h=12 m=55
